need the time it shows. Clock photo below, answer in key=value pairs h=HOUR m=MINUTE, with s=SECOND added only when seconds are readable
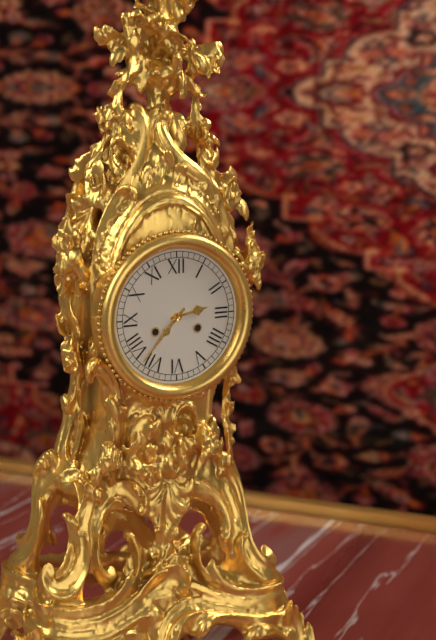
h=2 m=37
